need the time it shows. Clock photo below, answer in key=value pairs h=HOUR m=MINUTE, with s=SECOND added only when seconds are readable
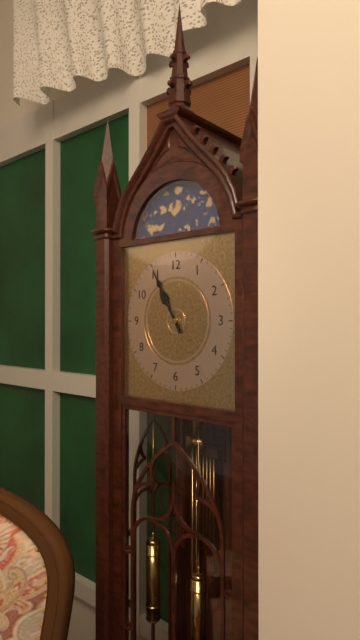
h=10 m=55
